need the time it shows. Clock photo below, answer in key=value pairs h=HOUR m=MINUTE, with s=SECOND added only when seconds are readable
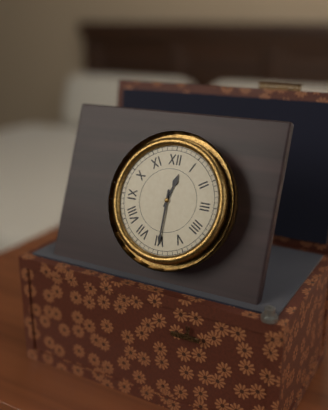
h=12 m=30
